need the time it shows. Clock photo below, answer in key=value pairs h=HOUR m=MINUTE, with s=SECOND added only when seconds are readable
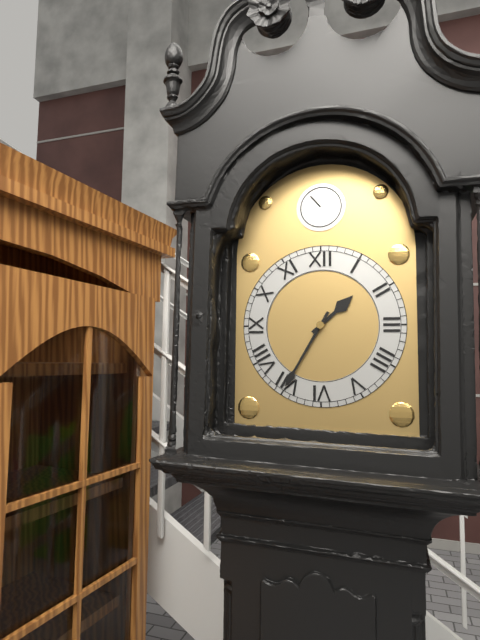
h=1 m=35
